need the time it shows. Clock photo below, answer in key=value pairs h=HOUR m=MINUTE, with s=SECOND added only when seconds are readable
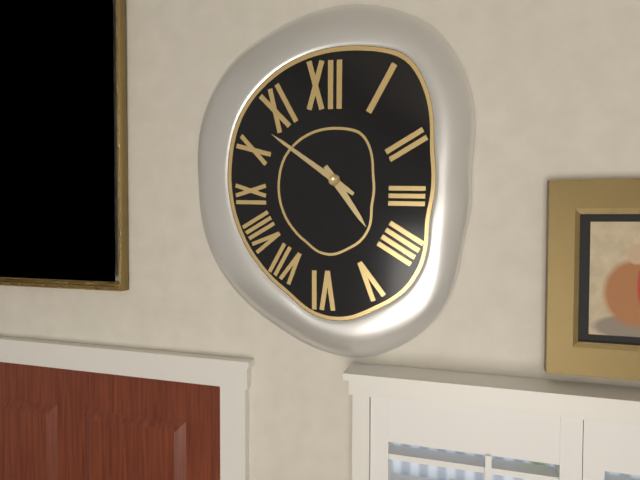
h=4 m=51
